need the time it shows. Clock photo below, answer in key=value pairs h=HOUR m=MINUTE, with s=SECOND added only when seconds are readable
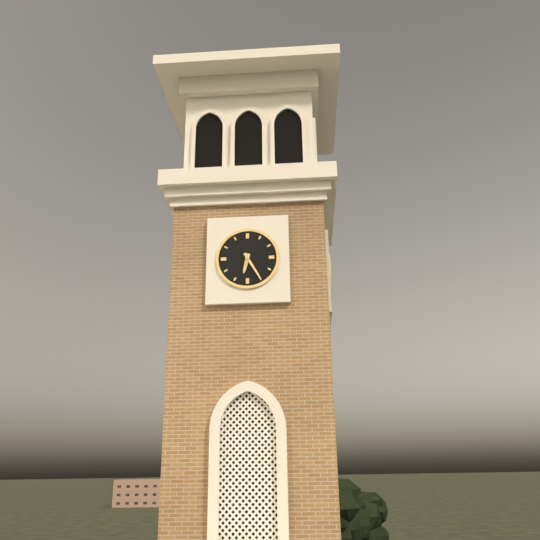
h=6 m=25
